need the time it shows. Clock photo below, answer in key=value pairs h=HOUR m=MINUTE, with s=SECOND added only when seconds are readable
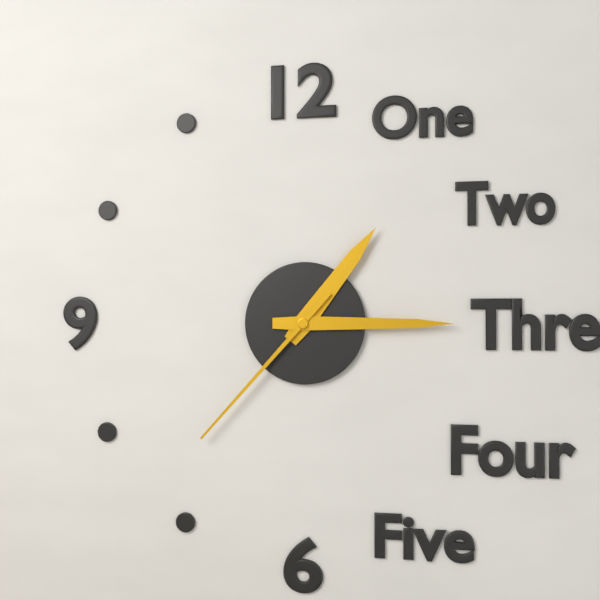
h=1 m=15 s=37
